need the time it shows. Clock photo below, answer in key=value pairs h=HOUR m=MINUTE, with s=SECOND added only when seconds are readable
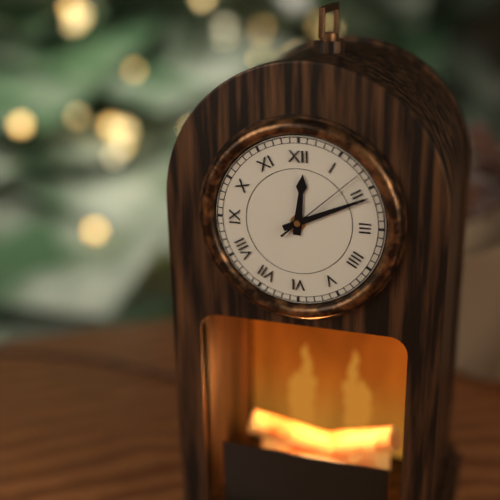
h=12 m=11 s=8
